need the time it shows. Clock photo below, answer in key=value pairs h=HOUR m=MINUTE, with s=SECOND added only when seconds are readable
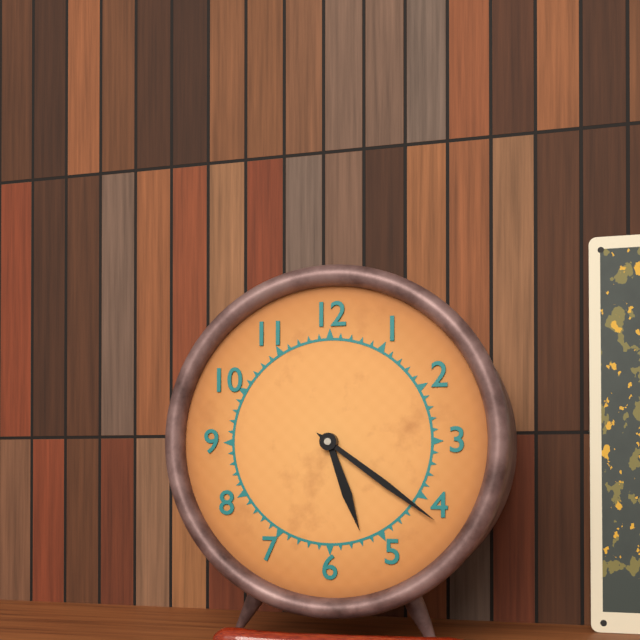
h=5 m=21
